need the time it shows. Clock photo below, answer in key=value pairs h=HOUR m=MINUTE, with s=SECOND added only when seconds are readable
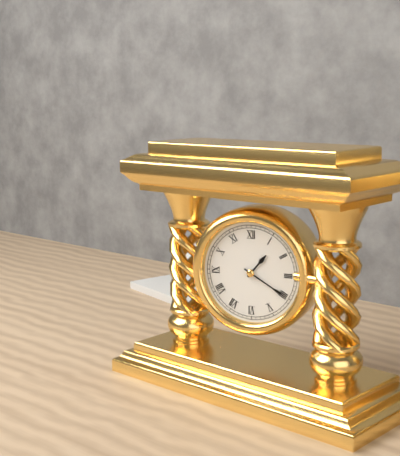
h=1 m=20
